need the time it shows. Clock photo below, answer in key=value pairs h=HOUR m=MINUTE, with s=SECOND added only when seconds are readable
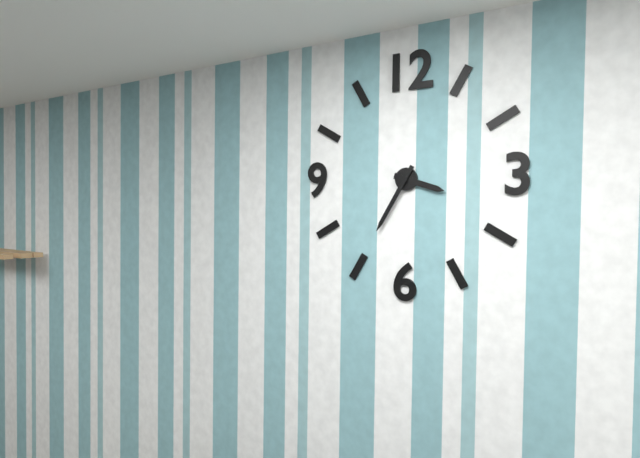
h=3 m=35
